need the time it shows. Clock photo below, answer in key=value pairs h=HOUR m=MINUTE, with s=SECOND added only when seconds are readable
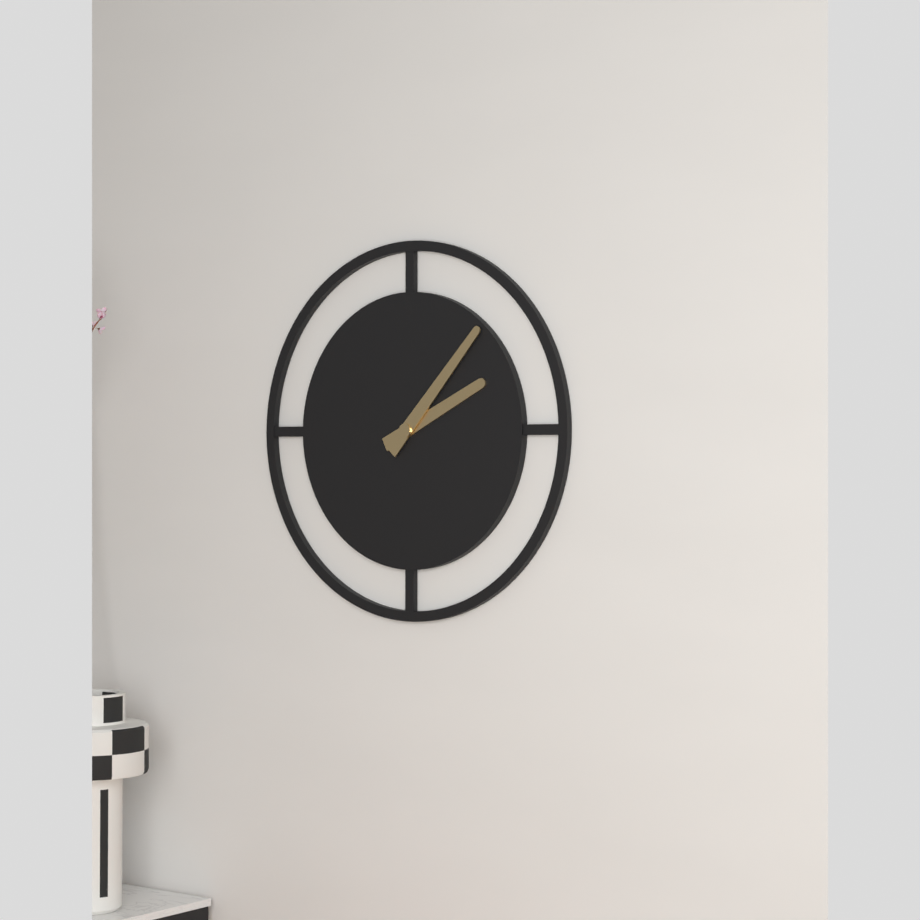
h=2 m=7
